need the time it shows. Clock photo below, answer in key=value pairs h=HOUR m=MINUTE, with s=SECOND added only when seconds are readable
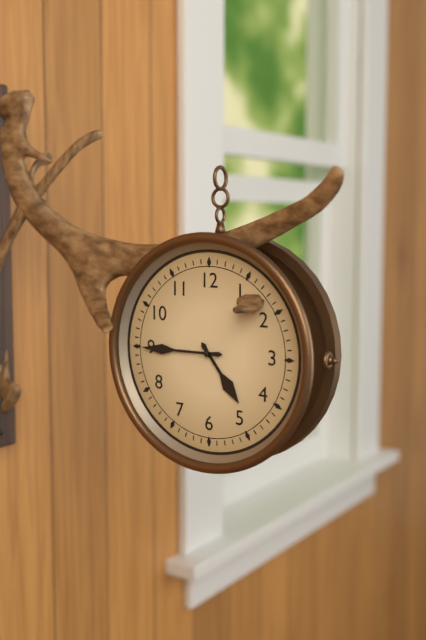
h=4 m=45
